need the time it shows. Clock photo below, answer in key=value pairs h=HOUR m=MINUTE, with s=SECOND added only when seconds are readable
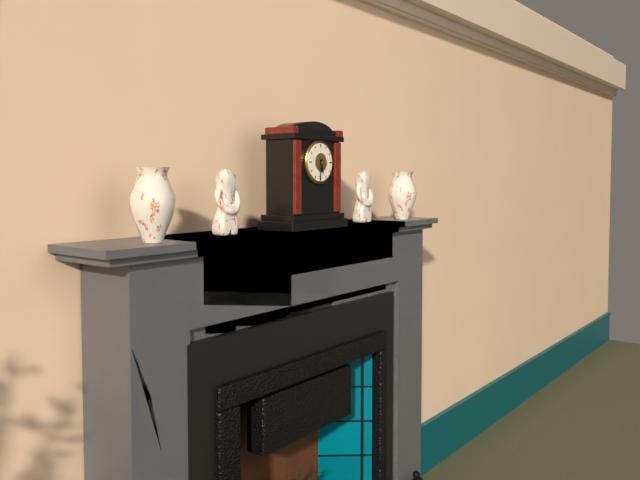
h=5 m=32
